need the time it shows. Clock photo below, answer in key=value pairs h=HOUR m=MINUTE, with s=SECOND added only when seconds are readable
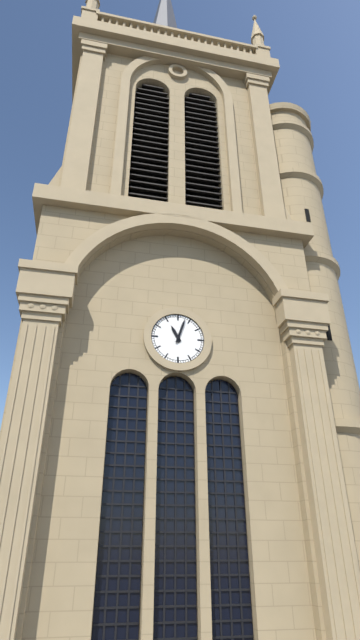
h=11 m=3
